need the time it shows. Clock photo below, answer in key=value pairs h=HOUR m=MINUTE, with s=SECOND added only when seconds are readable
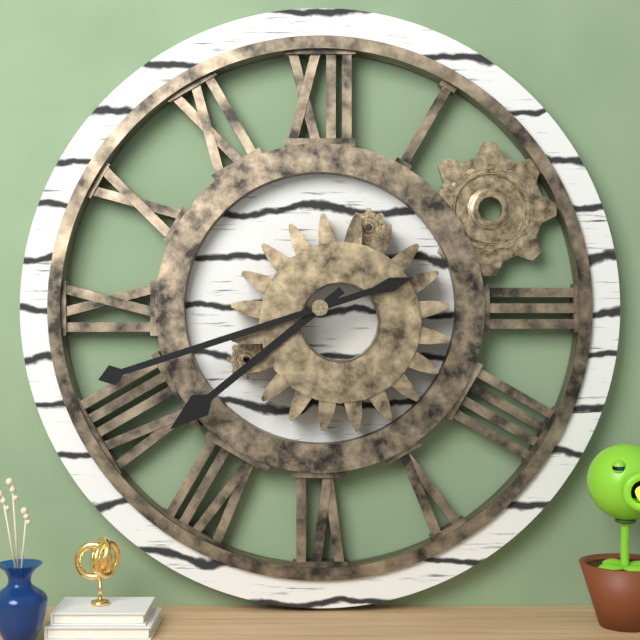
h=7 m=42
